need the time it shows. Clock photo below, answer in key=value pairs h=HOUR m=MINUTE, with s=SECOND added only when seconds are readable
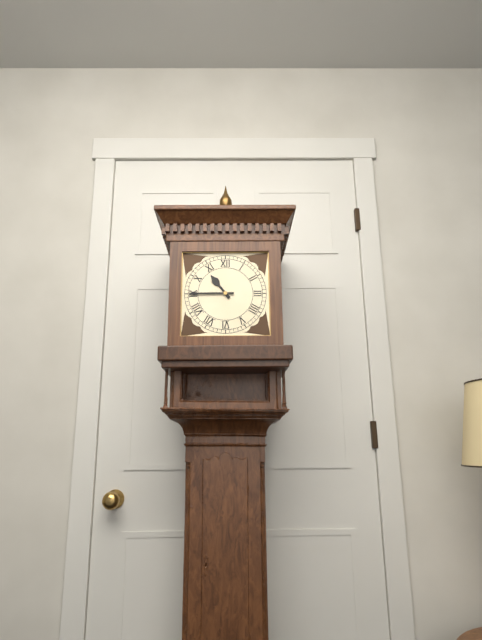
h=10 m=45
